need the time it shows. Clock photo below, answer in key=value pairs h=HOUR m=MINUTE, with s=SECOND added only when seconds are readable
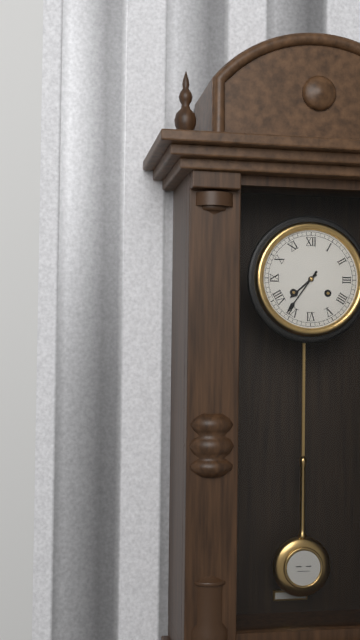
h=7 m=36
